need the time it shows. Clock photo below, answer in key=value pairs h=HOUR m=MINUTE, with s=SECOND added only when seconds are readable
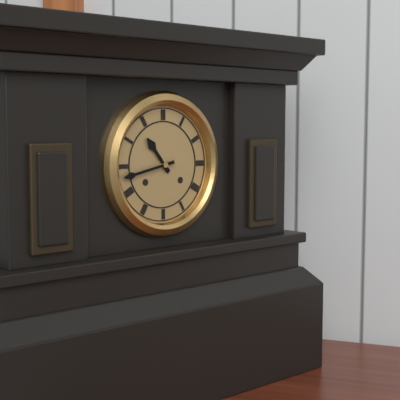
h=10 m=43
